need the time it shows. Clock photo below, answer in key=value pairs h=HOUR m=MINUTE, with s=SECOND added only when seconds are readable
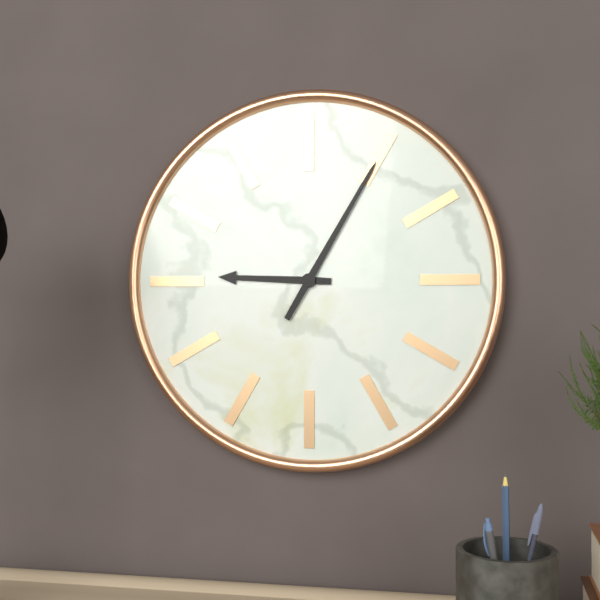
h=9 m=5
